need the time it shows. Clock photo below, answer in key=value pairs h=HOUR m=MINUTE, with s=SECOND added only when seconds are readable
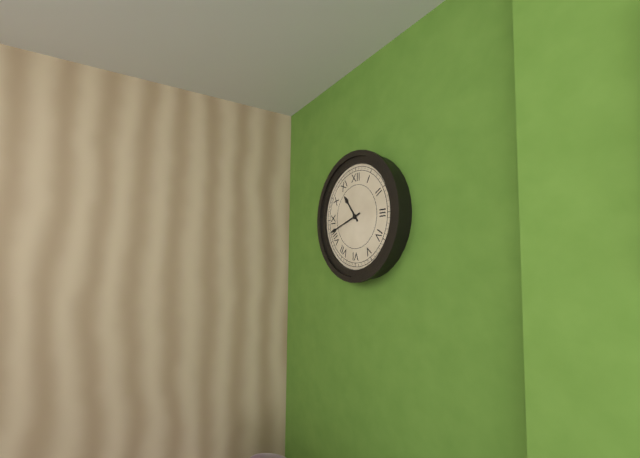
h=10 m=42
